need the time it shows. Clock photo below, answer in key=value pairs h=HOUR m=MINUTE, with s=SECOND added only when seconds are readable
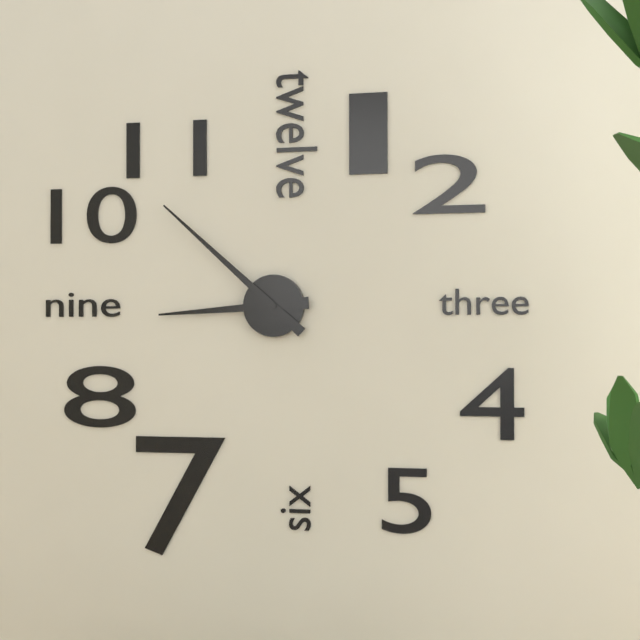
h=8 m=52
